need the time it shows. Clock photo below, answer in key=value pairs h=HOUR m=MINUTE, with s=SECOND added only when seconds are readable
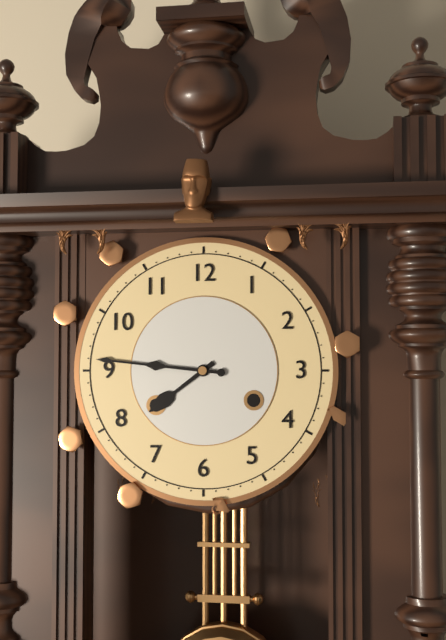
h=7 m=46
